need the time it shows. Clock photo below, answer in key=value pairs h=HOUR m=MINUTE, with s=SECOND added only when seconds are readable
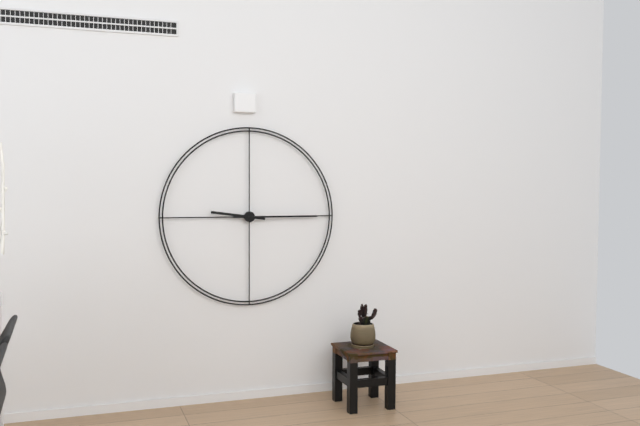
h=9 m=15
